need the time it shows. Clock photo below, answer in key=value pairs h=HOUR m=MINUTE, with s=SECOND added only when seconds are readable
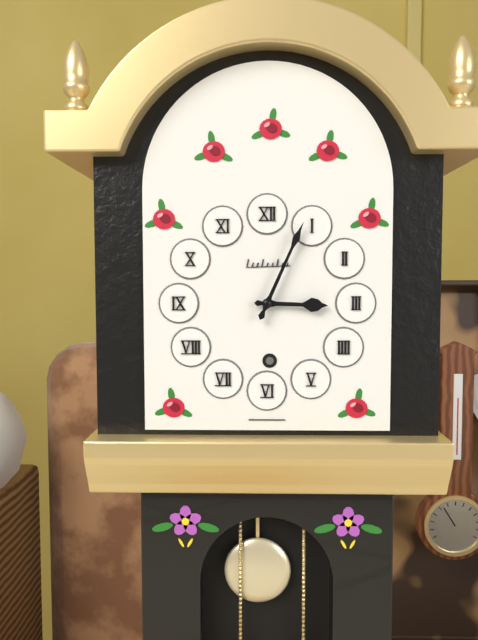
h=3 m=4
